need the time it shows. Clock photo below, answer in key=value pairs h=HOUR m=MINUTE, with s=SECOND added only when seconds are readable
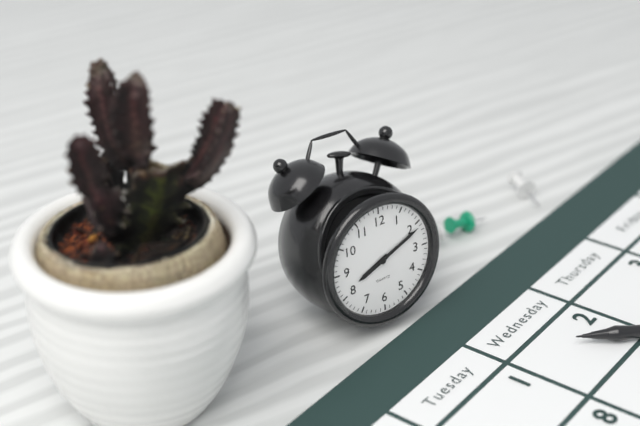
h=8 m=11
